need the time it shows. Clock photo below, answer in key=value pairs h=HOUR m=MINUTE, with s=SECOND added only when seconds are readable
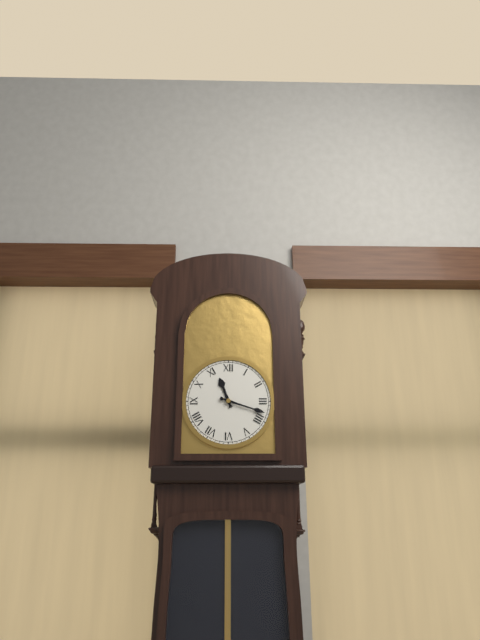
h=11 m=18
